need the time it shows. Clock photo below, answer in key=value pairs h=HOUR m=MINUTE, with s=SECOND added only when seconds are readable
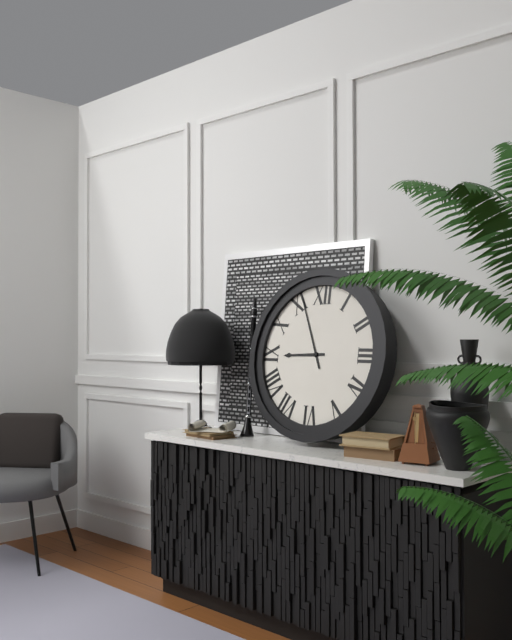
h=8 m=56
